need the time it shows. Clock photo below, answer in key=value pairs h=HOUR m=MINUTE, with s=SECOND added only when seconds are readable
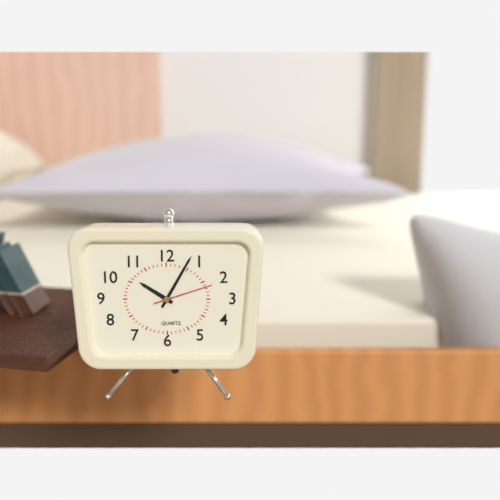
h=10 m=5 s=12
